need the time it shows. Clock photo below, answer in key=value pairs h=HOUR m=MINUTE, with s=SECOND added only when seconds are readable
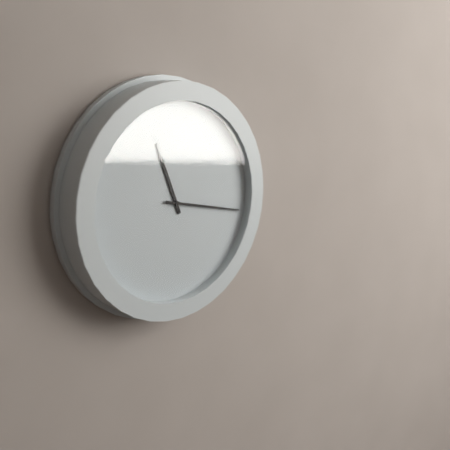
h=11 m=17
